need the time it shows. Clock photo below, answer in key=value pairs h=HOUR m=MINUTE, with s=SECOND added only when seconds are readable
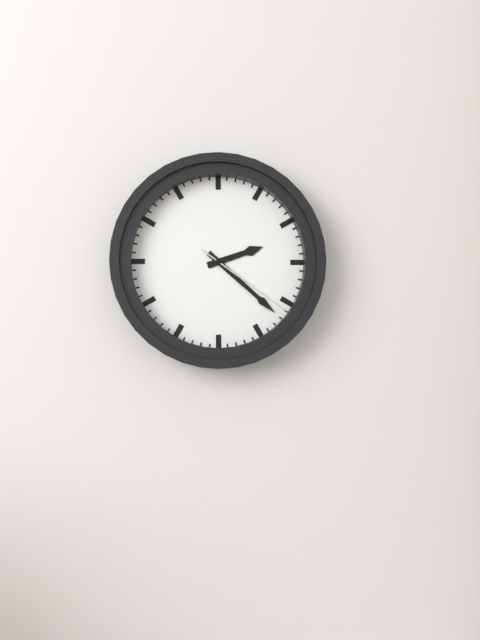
h=2 m=22 s=21
